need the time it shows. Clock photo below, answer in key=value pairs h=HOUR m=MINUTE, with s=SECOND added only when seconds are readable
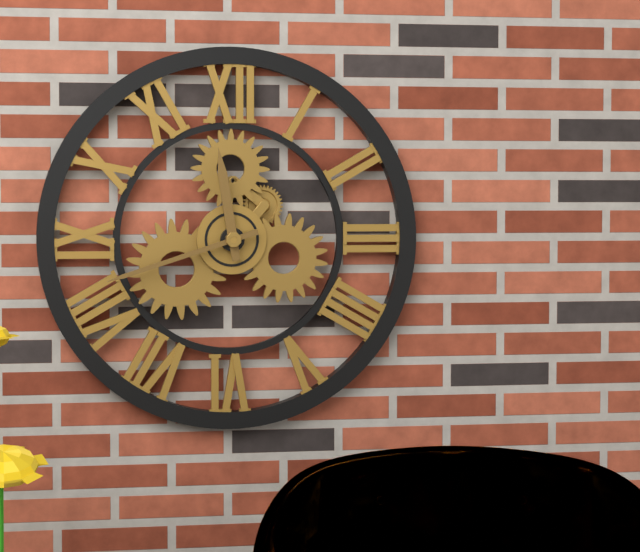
h=11 m=42
